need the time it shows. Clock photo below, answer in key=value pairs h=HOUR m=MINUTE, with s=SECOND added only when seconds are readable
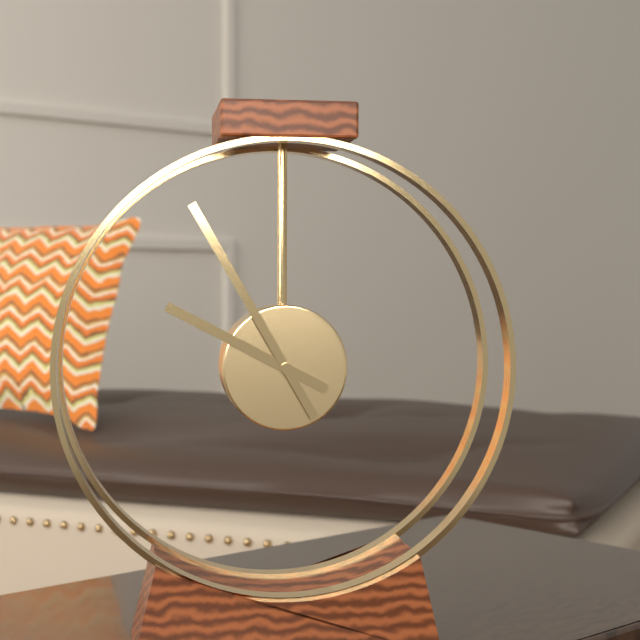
h=9 m=55
